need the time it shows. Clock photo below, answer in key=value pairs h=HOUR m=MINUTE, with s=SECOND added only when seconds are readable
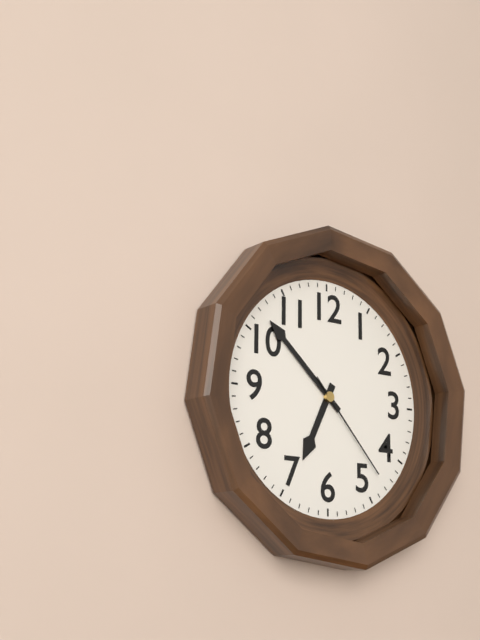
h=6 m=52 s=23
